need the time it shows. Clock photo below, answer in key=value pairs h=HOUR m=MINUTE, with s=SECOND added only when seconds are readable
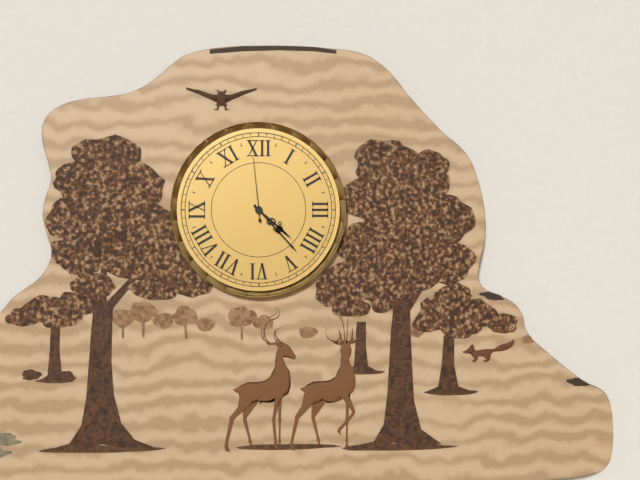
h=4 m=23 s=59
